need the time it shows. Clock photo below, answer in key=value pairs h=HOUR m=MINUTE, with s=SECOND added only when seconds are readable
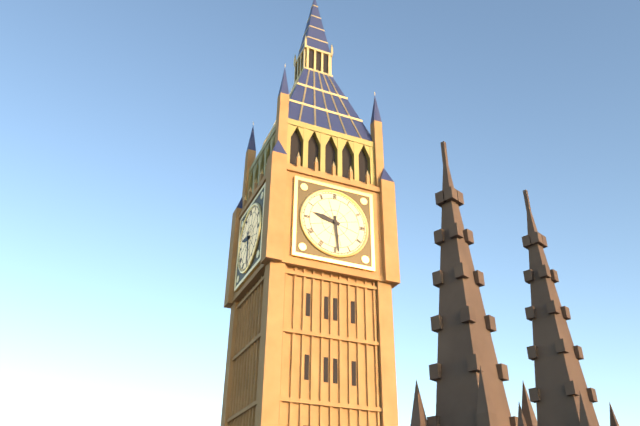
h=9 m=29
